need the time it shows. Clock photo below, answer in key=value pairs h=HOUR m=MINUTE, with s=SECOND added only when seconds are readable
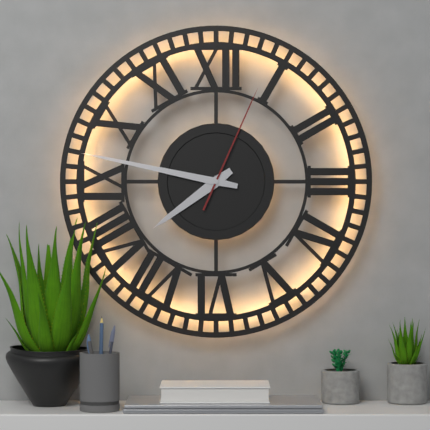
h=7 m=47 s=4
